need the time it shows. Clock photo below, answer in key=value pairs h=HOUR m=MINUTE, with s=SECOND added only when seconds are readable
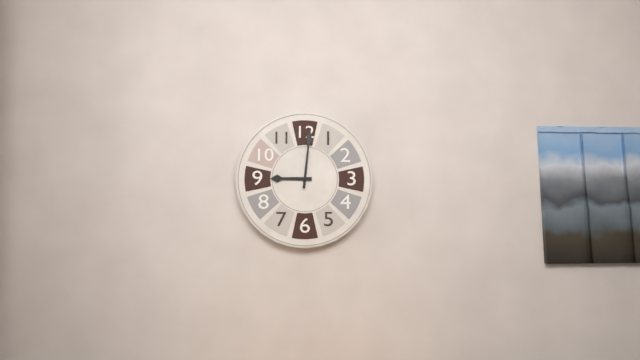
h=9 m=1
